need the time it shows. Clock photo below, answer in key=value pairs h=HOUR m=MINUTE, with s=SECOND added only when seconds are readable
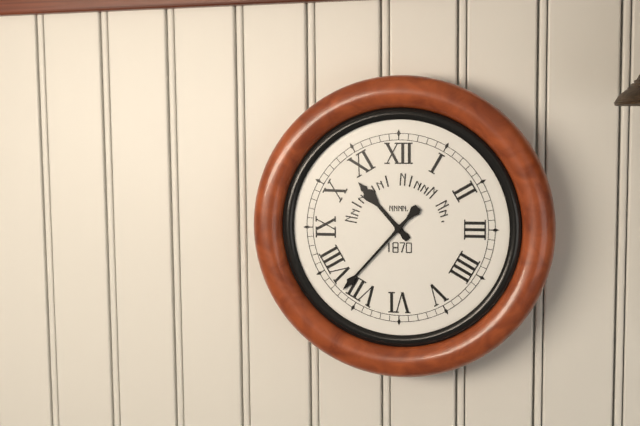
h=10 m=37
